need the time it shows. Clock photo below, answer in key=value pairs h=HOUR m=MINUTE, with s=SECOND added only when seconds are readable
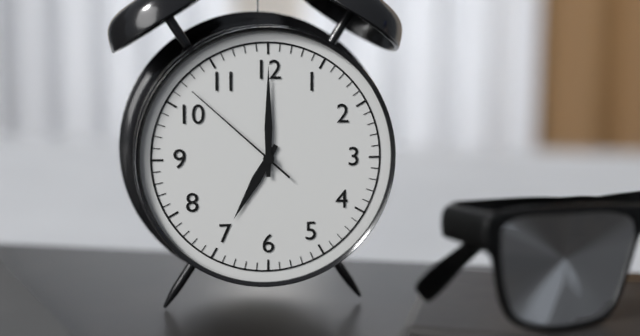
h=7 m=0 s=52
